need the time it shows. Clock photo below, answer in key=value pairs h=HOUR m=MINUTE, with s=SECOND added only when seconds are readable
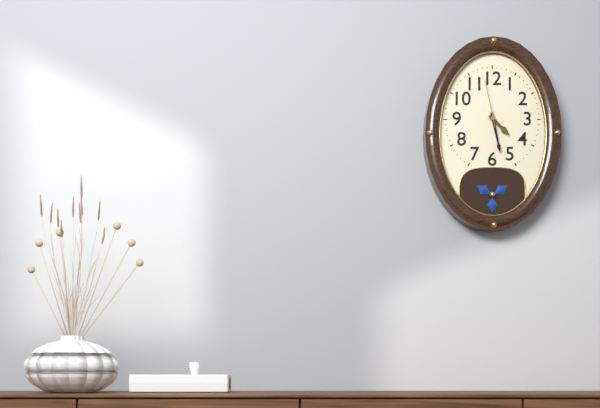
h=4 m=28
